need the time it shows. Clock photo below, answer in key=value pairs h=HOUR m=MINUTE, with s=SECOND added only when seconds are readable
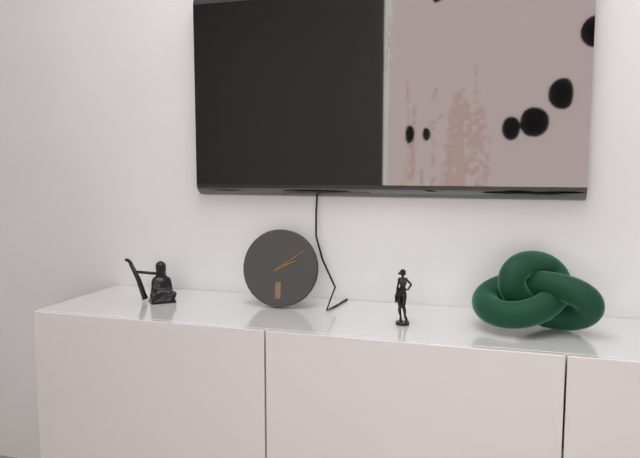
h=2 m=9
